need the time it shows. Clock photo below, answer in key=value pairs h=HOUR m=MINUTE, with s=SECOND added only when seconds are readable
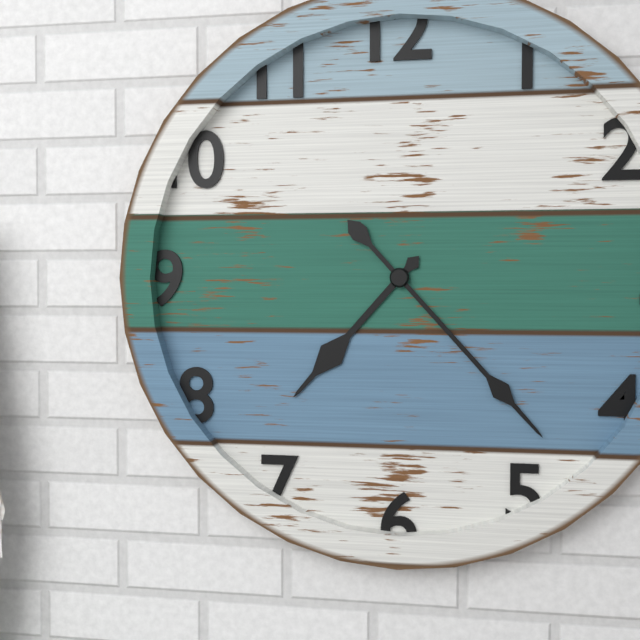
h=7 m=23
